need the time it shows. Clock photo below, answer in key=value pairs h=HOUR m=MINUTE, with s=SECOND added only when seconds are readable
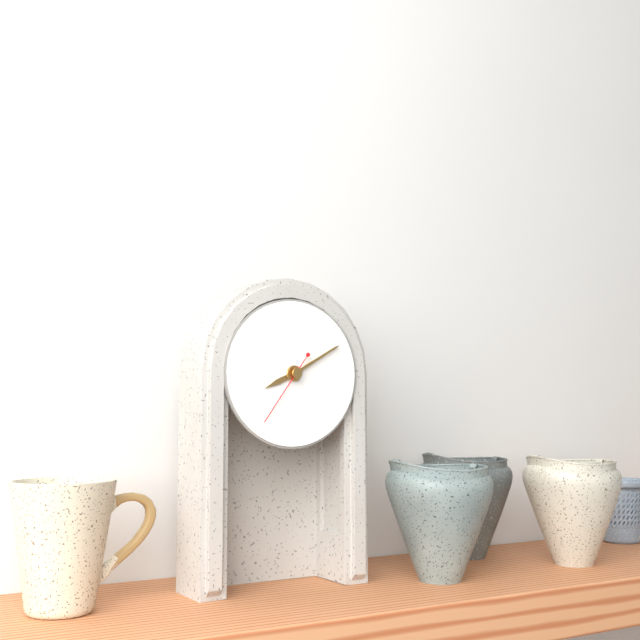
h=8 m=10 s=36
